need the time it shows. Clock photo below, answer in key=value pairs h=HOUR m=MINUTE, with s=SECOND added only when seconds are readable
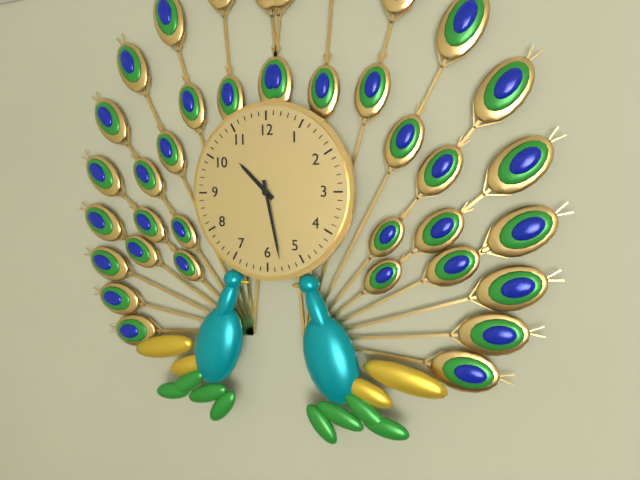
h=10 m=28
